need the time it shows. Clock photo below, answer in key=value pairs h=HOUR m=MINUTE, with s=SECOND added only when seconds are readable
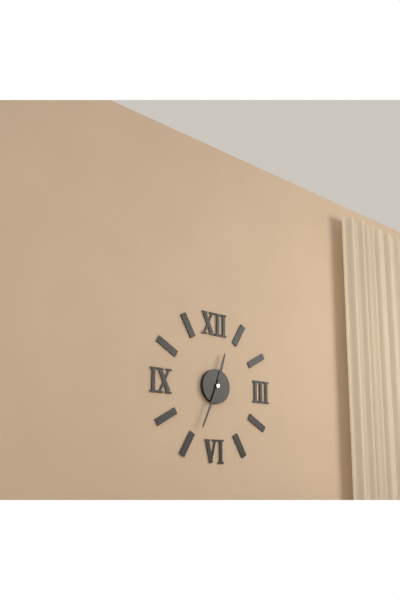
h=12 m=34
